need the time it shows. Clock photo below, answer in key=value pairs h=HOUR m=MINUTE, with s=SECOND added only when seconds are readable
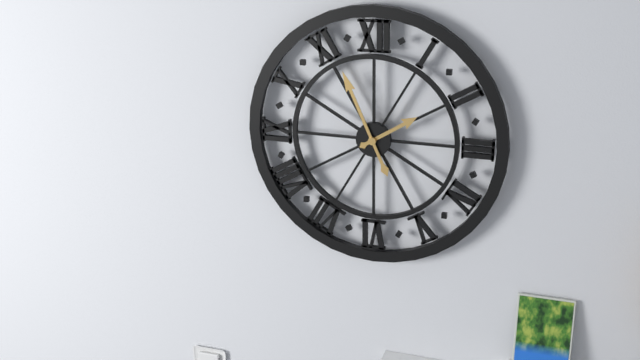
h=1 m=56
